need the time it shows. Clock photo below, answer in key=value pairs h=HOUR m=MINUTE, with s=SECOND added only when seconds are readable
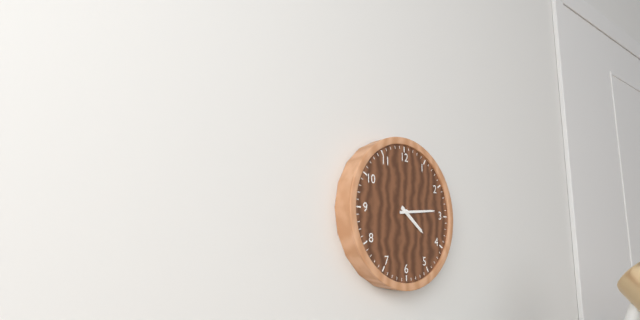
h=4 m=14
